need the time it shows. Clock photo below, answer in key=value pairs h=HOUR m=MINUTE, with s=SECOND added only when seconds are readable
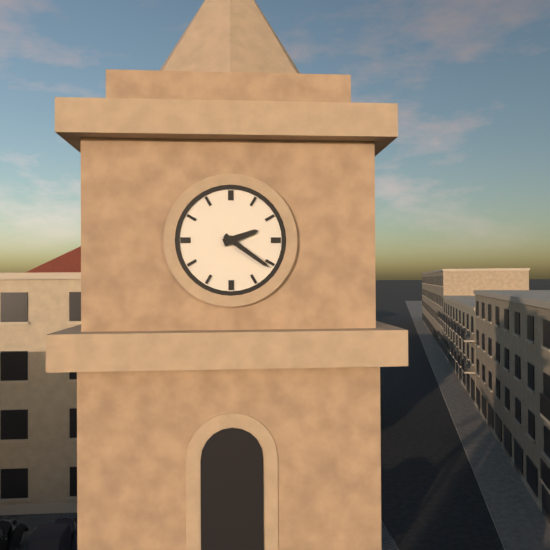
h=2 m=21
